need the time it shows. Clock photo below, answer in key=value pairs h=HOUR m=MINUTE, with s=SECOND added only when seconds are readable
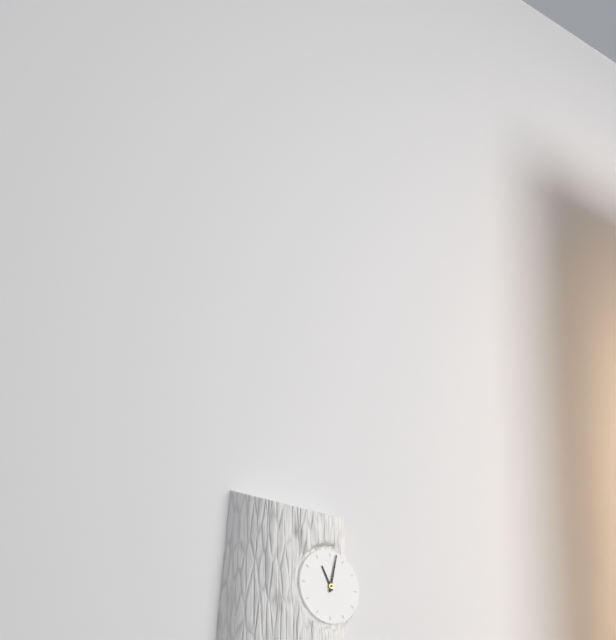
h=11 m=2
